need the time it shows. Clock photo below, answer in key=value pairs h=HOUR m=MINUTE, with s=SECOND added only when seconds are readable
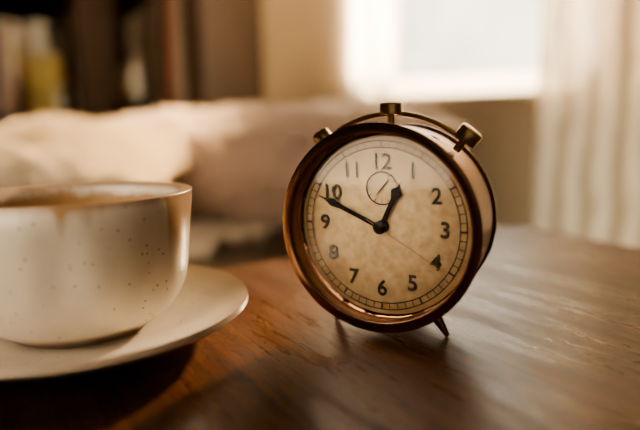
h=12 m=49 s=20
